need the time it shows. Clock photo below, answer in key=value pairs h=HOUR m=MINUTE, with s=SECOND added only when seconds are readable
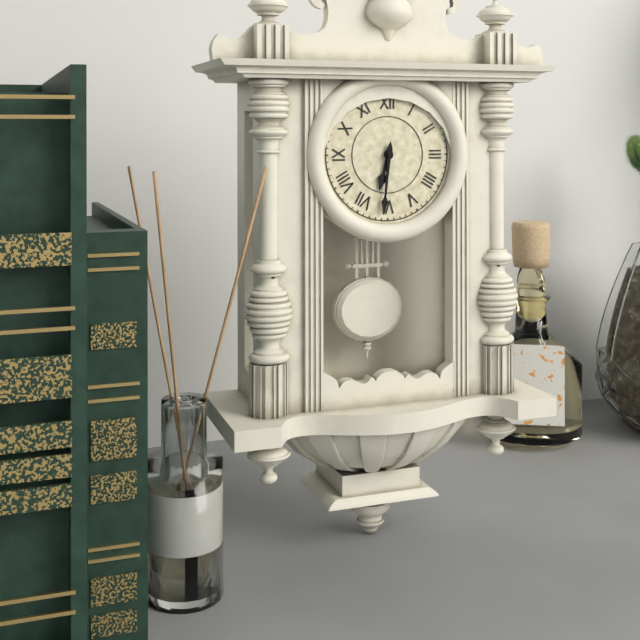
h=6 m=31
